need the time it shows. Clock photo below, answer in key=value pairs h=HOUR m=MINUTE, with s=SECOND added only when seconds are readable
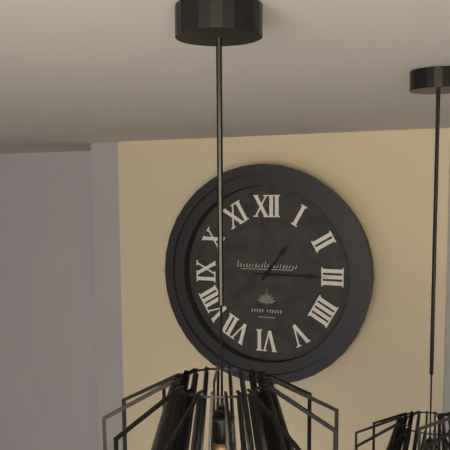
h=1 m=15
